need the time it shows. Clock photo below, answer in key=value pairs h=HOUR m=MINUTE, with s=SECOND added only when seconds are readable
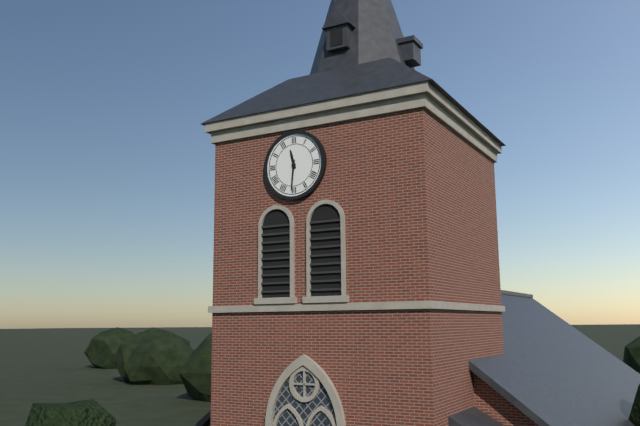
h=11 m=31
